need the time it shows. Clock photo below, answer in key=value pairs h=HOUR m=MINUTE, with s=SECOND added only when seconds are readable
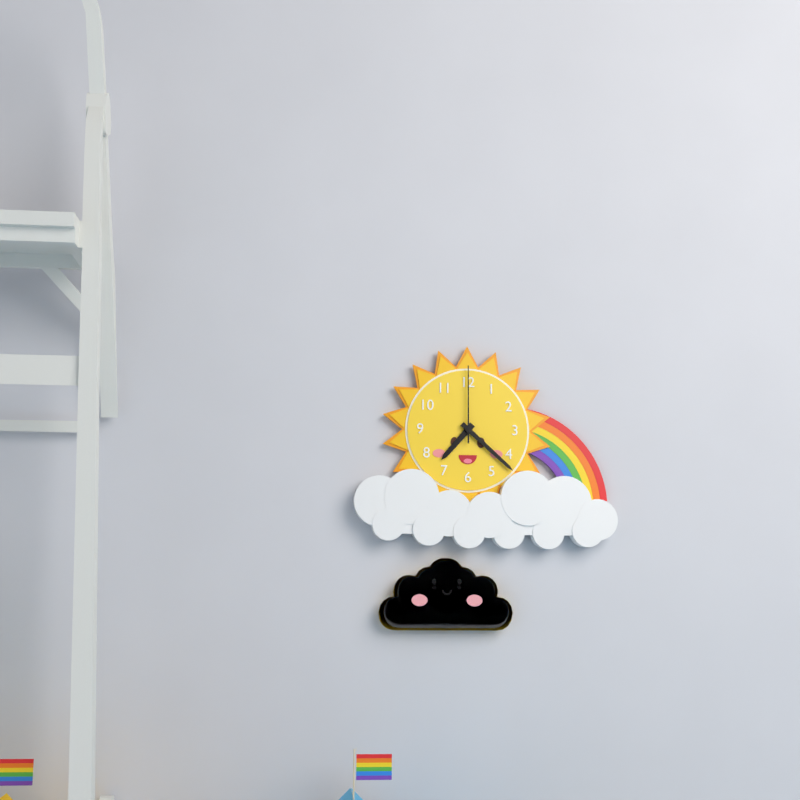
h=7 m=22 s=0
